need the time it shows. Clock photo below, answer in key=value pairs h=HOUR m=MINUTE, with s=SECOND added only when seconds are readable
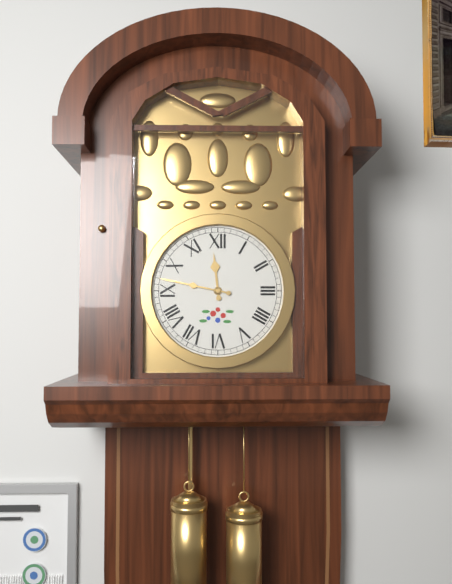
h=11 m=47
